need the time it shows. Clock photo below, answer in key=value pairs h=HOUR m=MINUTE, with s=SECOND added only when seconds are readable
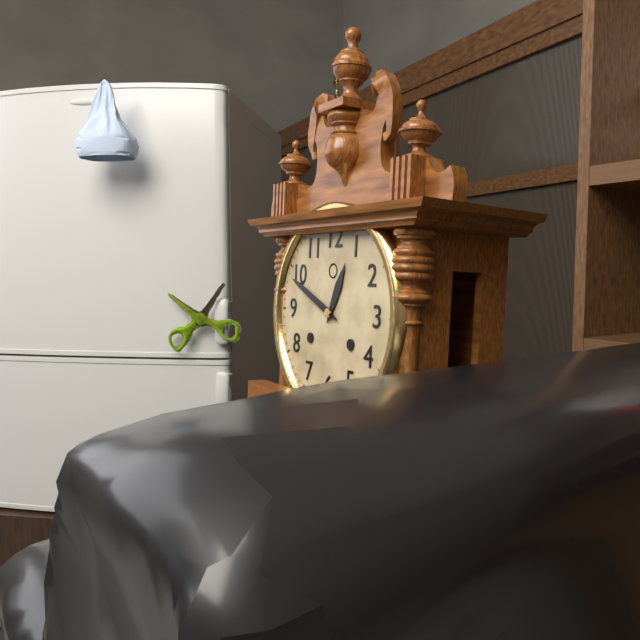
h=12 m=49
